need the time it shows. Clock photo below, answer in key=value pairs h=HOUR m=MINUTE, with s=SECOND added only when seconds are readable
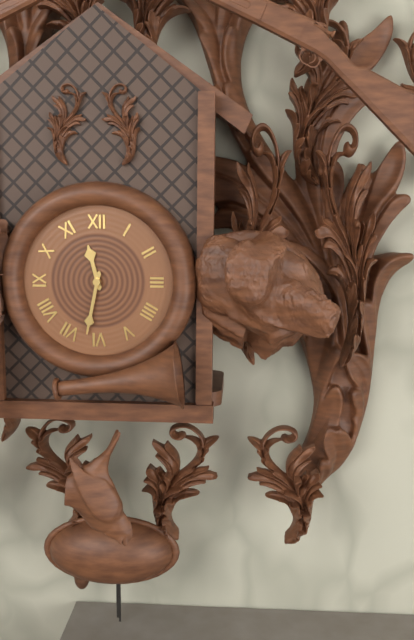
h=11 m=32
